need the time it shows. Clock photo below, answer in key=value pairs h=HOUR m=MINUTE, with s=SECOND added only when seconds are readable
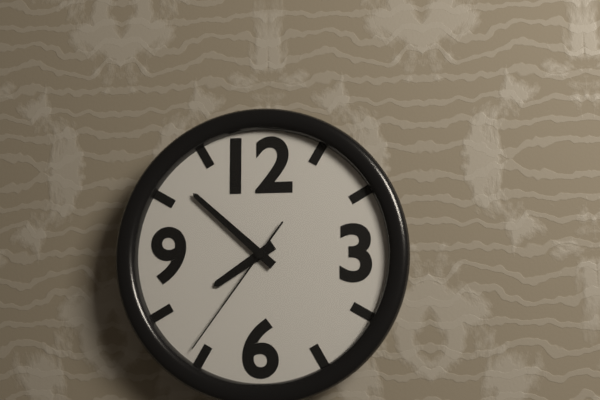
h=7 m=52 s=36
